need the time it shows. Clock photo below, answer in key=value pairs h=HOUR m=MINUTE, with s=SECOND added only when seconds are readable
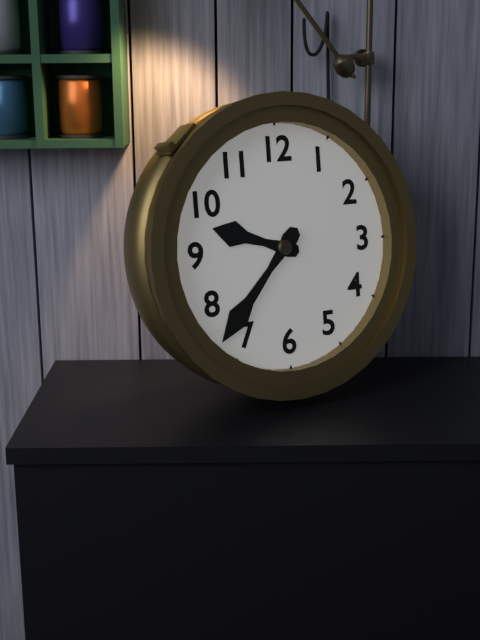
h=9 m=37
